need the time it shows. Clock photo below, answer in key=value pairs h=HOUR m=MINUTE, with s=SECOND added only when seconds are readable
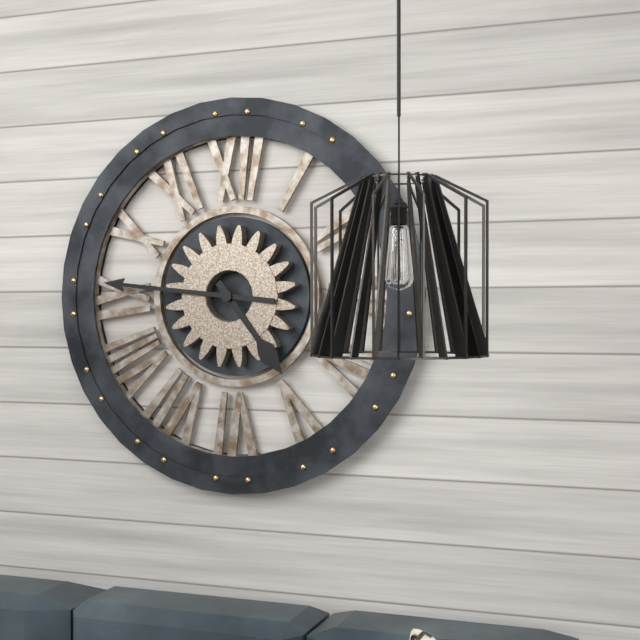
h=4 m=46
